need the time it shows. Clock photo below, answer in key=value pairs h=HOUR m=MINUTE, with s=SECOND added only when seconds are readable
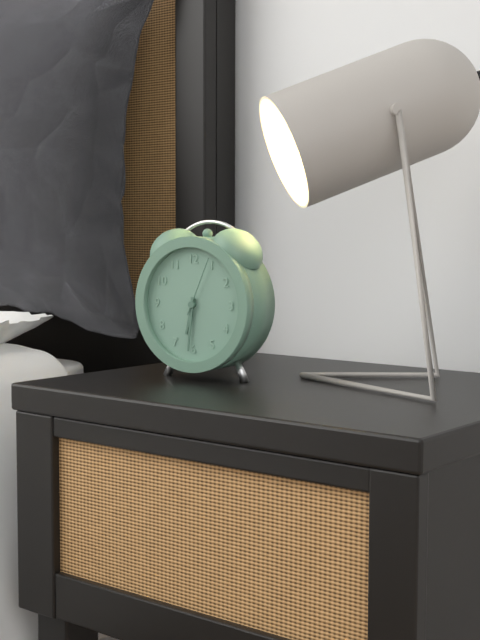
h=6 m=31 s=4
